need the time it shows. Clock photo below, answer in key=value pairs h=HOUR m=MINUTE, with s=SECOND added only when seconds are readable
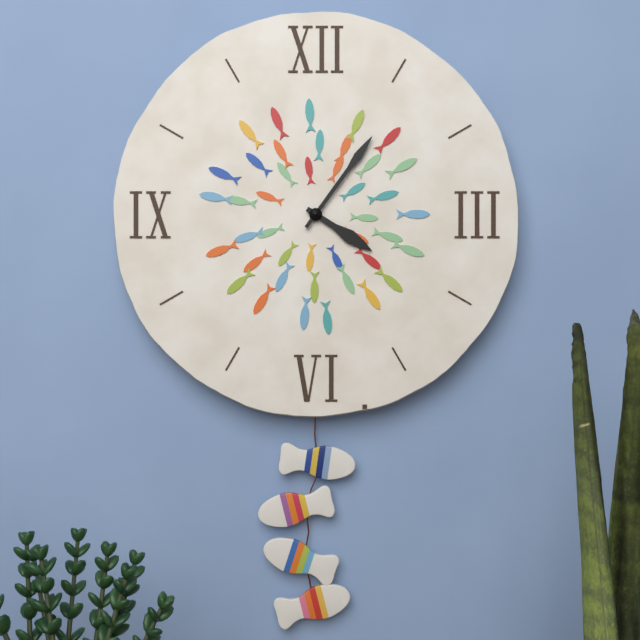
h=4 m=6
